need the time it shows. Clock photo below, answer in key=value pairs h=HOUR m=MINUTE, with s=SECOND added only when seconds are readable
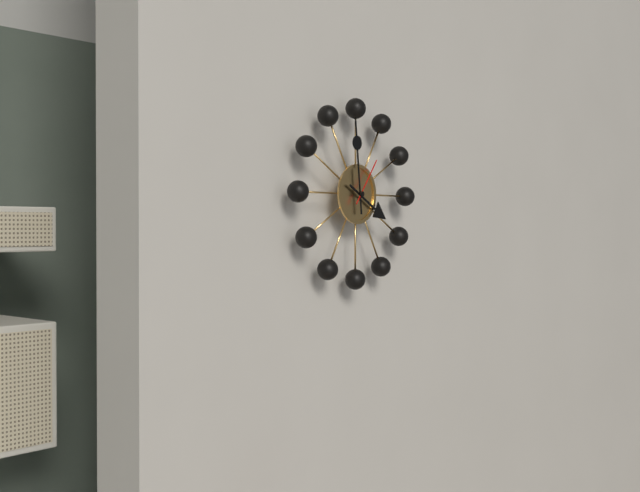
h=3 m=59
